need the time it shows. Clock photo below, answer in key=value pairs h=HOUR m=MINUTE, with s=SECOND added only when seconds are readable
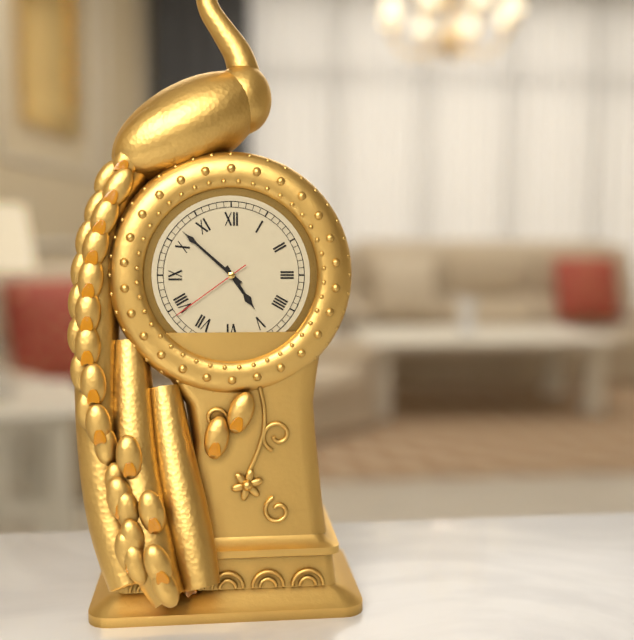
h=4 m=52 s=39
